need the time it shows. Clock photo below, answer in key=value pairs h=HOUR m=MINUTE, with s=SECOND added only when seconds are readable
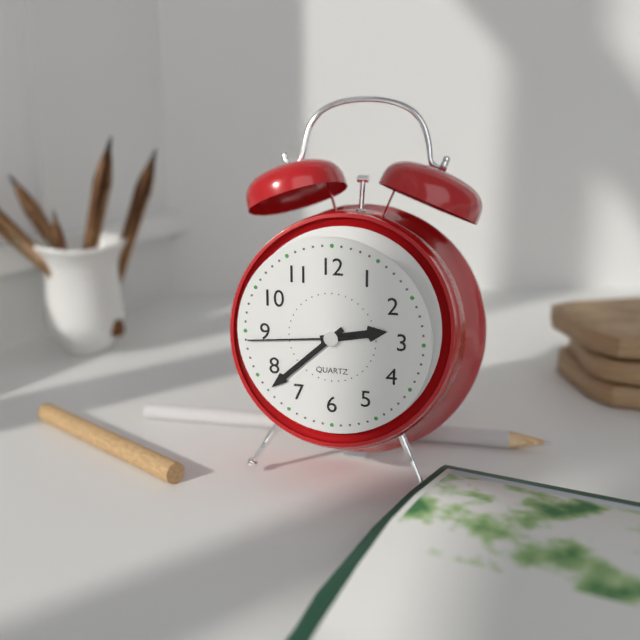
h=2 m=38 s=44
